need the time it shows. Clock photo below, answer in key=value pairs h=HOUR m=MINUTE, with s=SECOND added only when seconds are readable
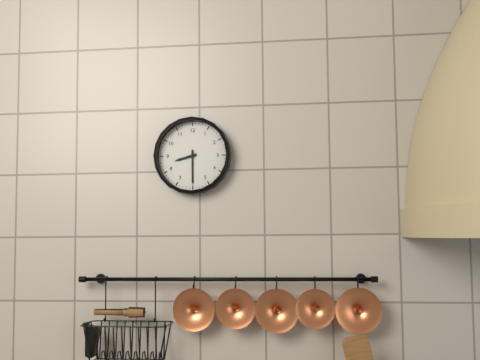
h=8 m=30
